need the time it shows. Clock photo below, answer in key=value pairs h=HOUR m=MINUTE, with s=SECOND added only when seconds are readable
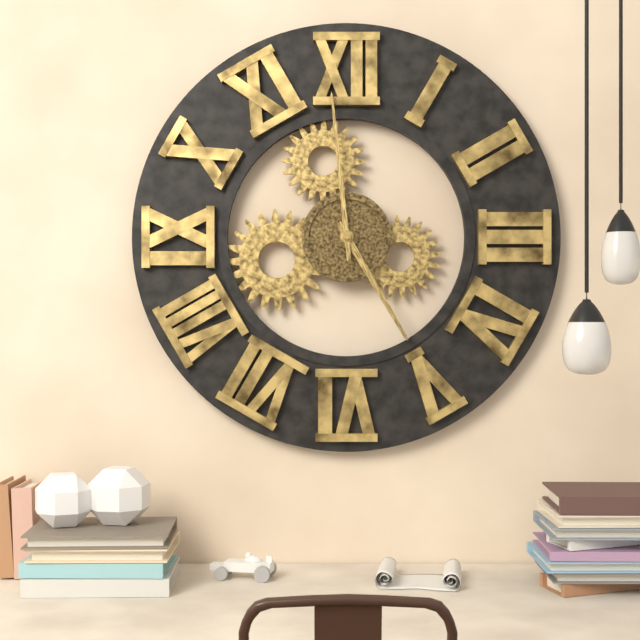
h=4 m=59
